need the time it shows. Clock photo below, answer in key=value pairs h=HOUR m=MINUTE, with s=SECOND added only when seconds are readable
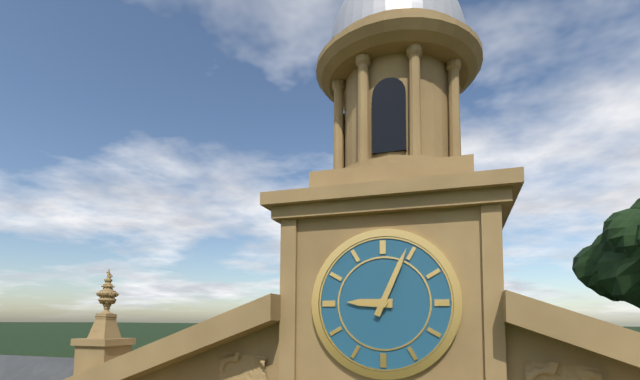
h=9 m=4
